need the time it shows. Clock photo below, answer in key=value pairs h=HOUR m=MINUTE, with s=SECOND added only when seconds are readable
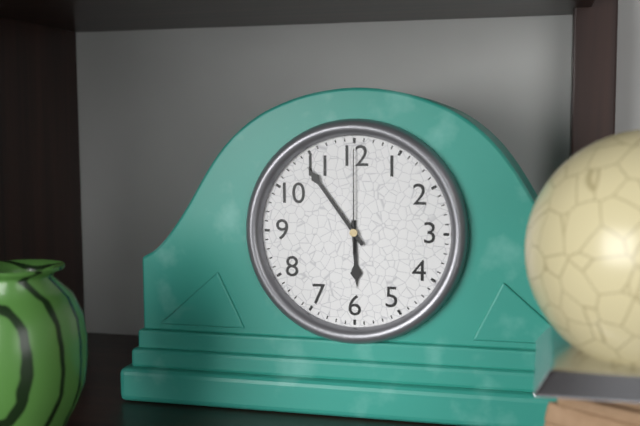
h=5 m=54 s=0
